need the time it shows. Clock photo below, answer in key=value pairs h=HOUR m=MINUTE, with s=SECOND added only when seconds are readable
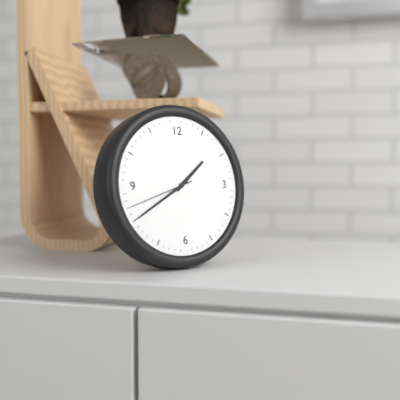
h=1 m=40 s=42
